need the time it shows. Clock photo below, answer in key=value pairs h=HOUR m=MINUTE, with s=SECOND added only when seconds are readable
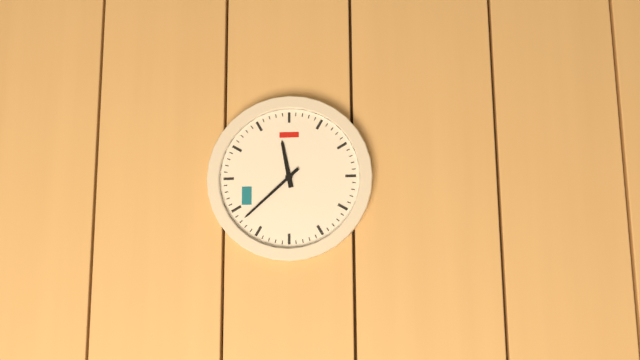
h=11 m=38
